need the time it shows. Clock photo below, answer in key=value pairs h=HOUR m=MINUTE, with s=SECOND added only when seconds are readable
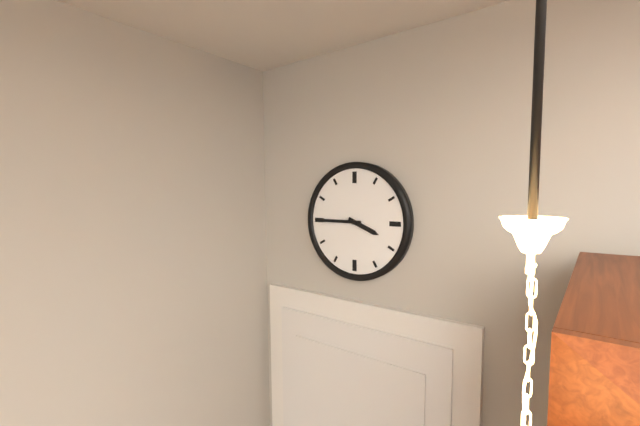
h=3 m=45
